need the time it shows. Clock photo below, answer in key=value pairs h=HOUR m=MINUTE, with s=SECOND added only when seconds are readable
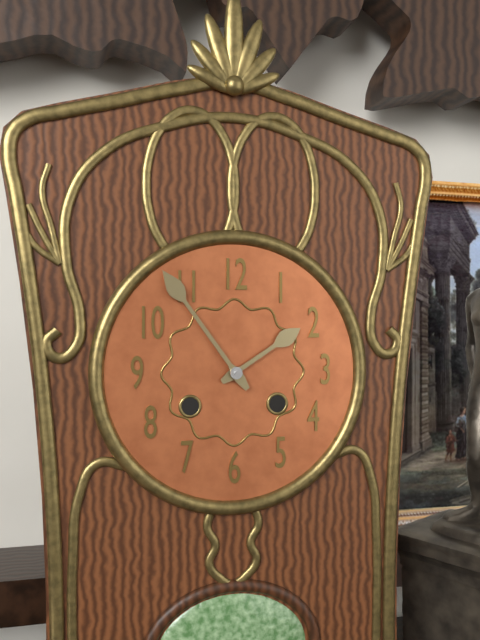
h=1 m=54
